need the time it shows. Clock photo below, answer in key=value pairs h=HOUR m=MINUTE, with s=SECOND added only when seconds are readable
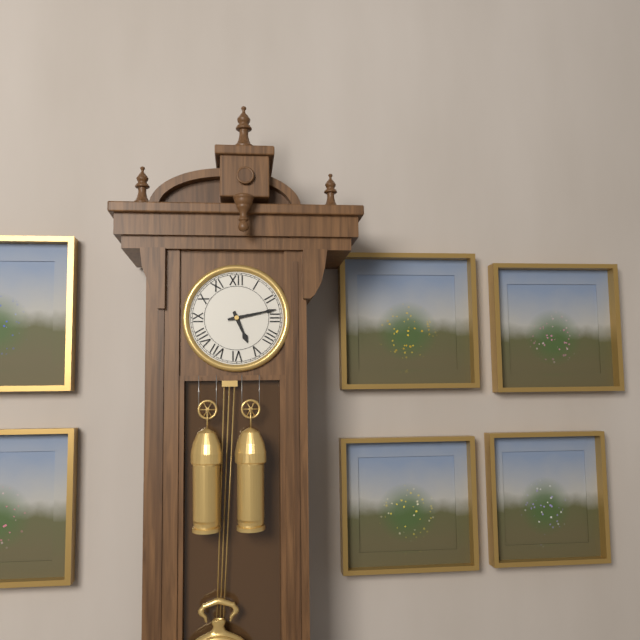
h=5 m=13
